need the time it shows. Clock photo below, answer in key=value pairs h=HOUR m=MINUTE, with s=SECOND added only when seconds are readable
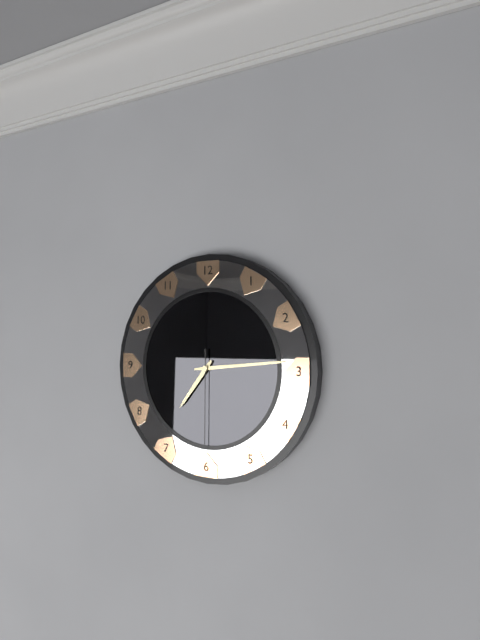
h=7 m=14 s=30
